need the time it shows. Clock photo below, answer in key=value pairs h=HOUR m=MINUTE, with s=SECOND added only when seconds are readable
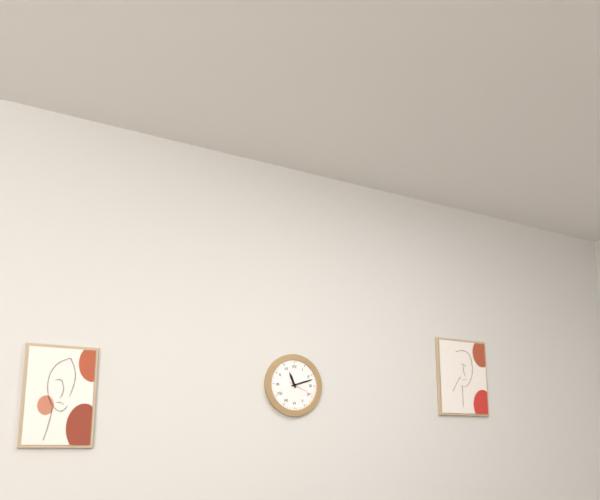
h=11 m=12
